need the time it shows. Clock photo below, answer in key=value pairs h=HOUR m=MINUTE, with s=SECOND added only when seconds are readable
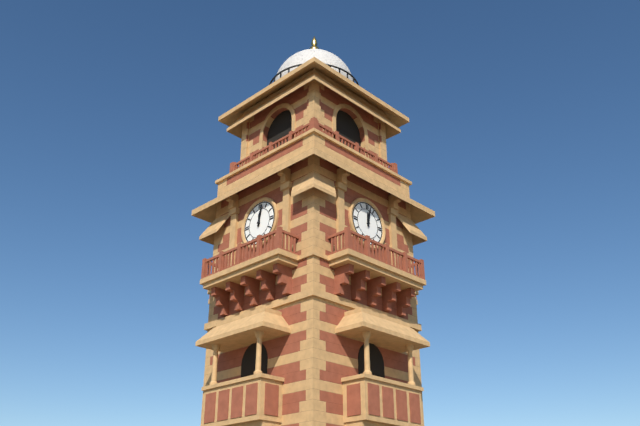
h=12 m=2
